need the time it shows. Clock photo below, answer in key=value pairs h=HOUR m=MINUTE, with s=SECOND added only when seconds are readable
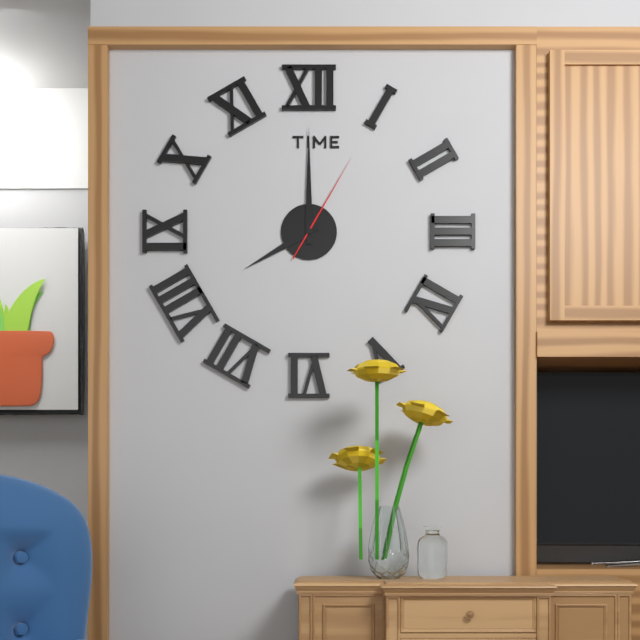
h=8 m=0 s=5
